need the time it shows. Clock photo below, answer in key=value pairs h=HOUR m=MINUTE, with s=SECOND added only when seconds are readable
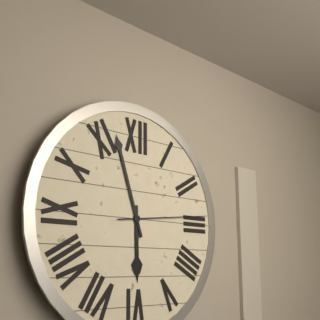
h=5 m=57 s=14
